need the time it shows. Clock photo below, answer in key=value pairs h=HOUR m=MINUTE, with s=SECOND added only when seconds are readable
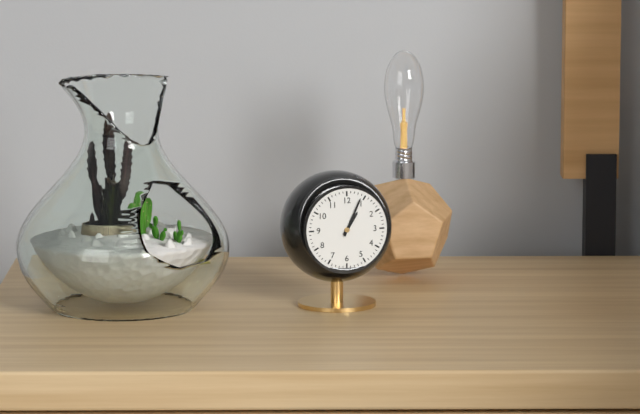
h=1 m=4
